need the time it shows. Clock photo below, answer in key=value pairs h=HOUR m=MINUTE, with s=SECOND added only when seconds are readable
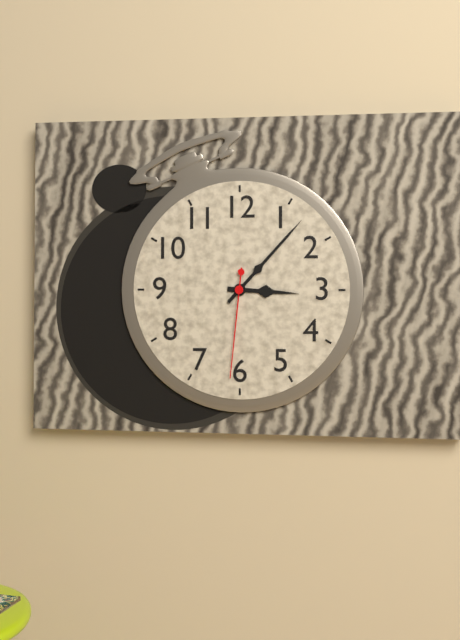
h=3 m=7 s=31
